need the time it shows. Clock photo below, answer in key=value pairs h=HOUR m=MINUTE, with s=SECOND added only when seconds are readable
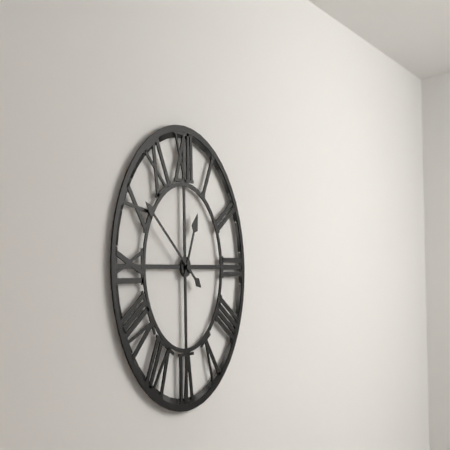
h=12 m=51
